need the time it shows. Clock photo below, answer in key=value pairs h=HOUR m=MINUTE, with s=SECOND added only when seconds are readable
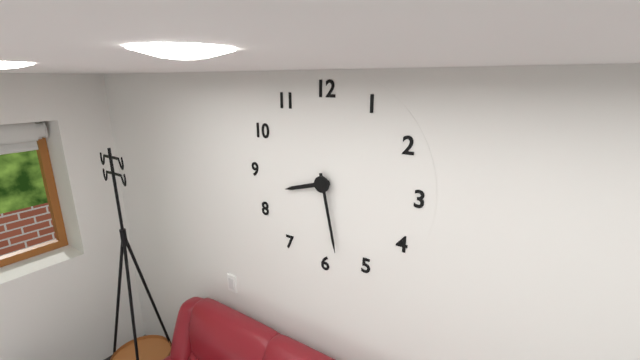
h=8 m=28
